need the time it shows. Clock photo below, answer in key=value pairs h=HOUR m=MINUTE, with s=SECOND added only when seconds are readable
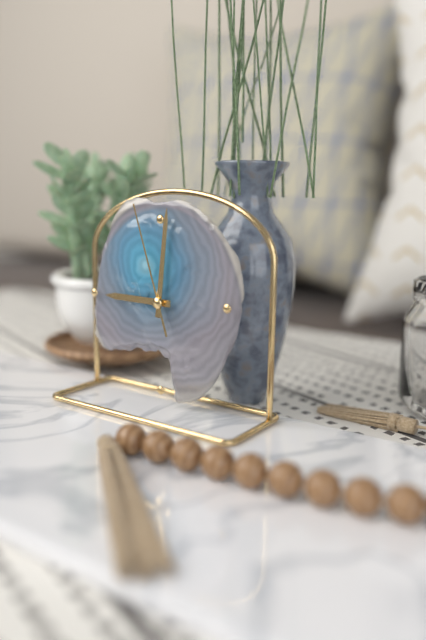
h=9 m=1 s=57
